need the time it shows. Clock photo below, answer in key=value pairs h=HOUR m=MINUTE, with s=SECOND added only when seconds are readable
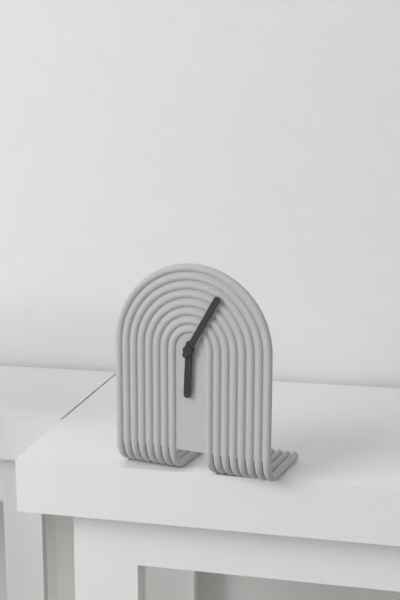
h=6 m=5
